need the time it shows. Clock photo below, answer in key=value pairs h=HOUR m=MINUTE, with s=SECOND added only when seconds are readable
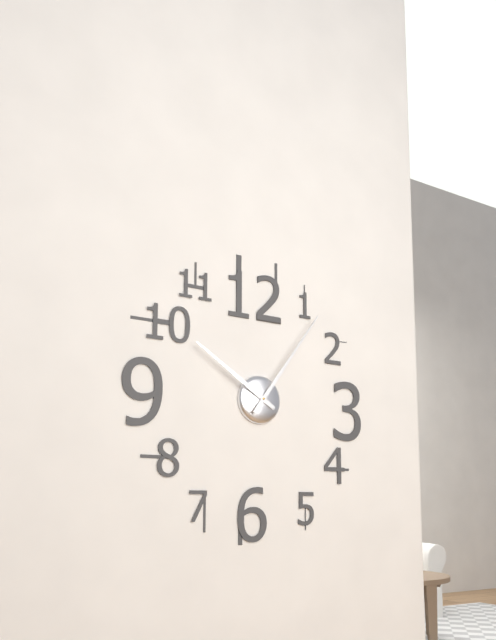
h=10 m=6
